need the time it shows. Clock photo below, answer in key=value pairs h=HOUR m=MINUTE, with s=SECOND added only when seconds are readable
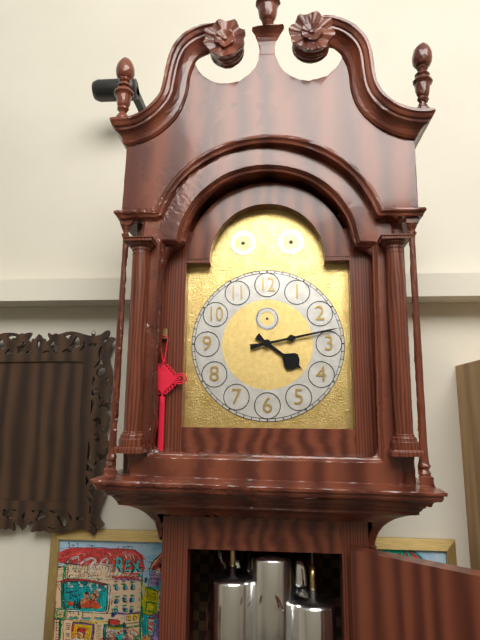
h=4 m=13
